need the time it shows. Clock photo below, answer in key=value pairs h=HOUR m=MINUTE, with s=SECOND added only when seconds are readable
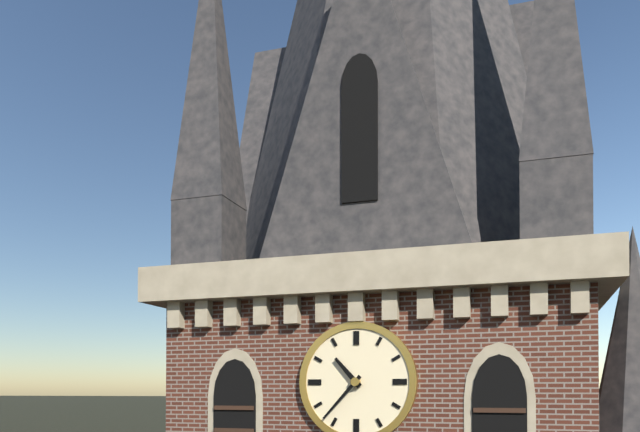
h=10 m=37
